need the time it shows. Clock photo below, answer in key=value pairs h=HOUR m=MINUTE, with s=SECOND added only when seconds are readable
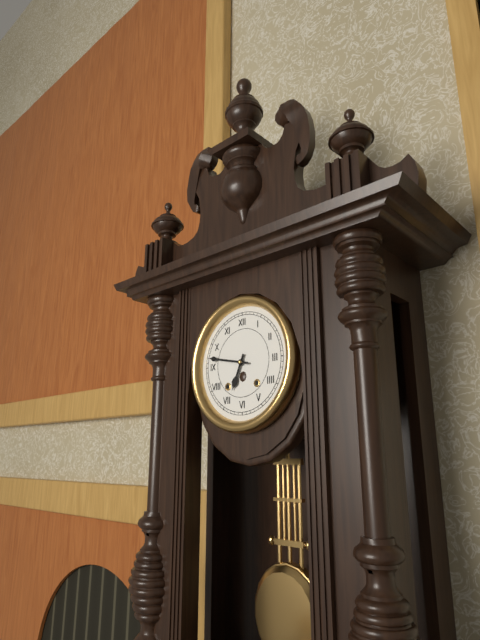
h=6 m=47
